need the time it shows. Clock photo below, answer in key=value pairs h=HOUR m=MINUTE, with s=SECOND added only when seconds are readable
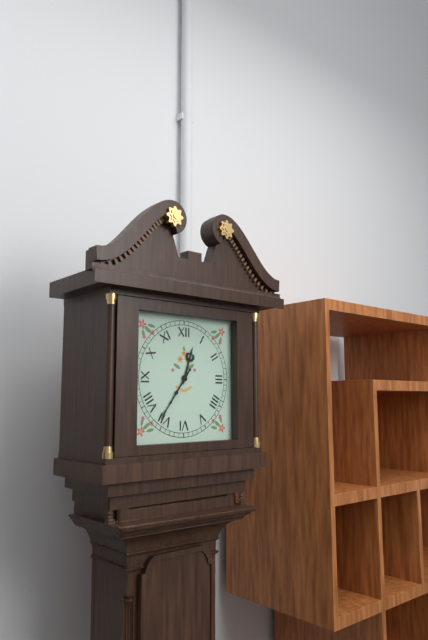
h=12 m=36
